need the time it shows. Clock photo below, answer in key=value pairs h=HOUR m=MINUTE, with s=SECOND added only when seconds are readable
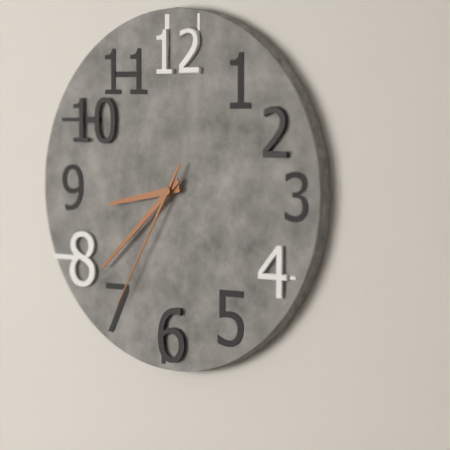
h=8 m=38 s=35
